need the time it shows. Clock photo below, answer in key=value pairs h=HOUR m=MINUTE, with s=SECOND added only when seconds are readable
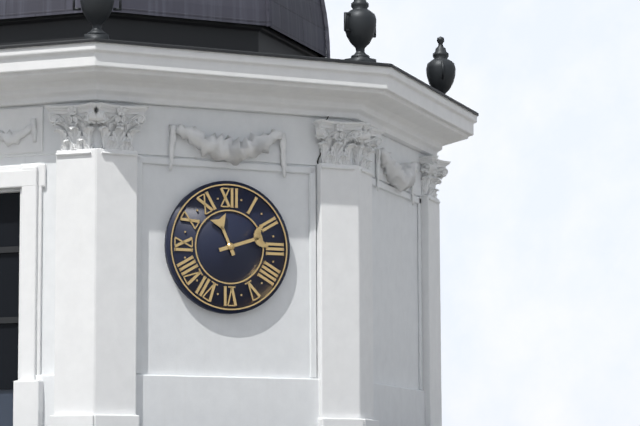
h=11 m=12
